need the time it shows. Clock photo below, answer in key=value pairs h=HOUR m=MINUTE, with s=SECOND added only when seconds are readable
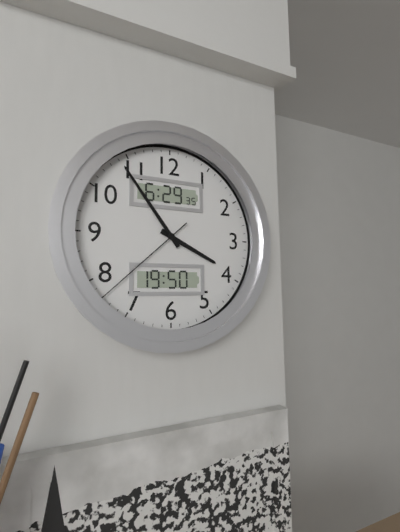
h=3 m=54 s=38
